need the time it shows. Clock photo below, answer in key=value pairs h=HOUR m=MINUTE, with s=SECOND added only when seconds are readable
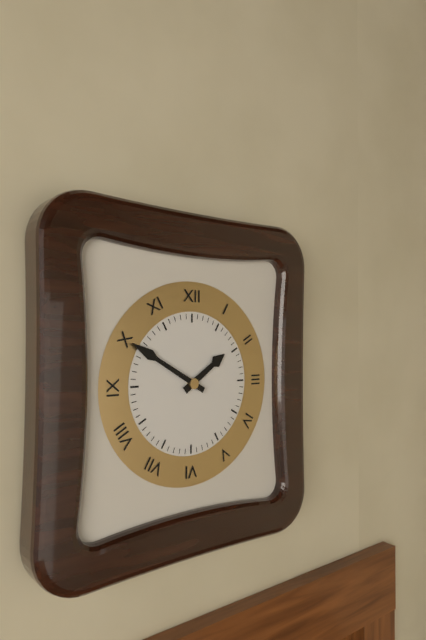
h=1 m=50
